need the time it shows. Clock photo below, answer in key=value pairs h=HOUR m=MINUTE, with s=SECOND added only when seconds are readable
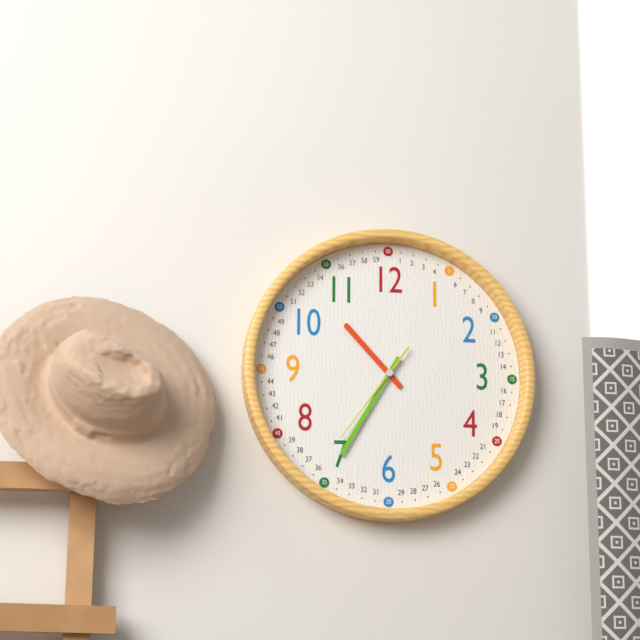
h=10 m=35 s=36
